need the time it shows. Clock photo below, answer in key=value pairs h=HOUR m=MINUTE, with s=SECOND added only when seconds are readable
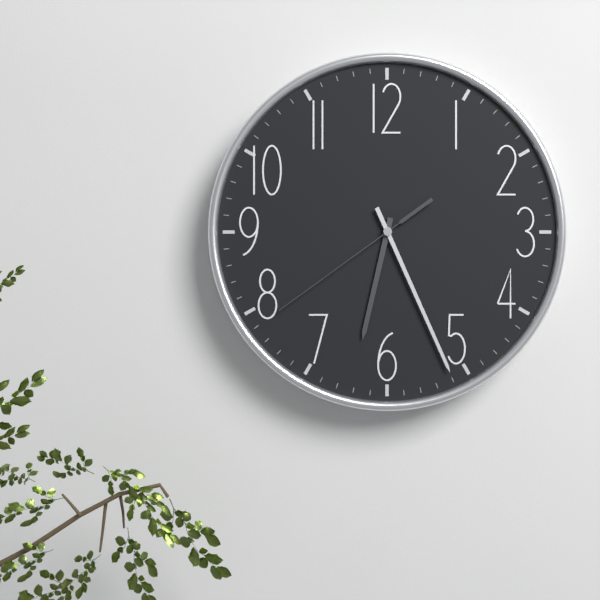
h=6 m=26 s=39
